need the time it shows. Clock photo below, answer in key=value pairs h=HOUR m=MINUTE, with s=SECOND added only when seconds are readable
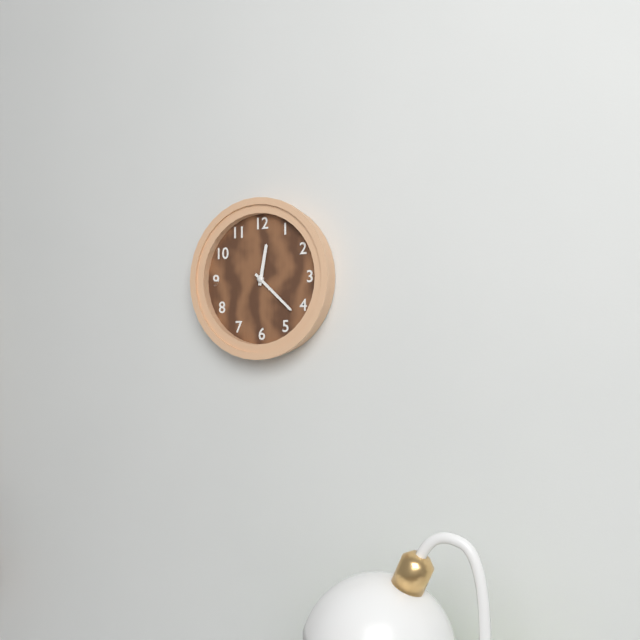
h=12 m=22
